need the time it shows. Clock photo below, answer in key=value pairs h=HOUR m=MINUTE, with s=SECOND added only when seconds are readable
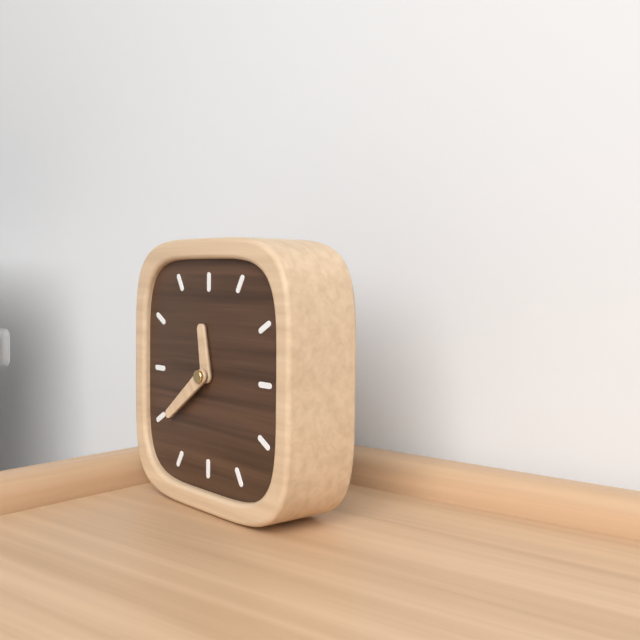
h=11 m=39
